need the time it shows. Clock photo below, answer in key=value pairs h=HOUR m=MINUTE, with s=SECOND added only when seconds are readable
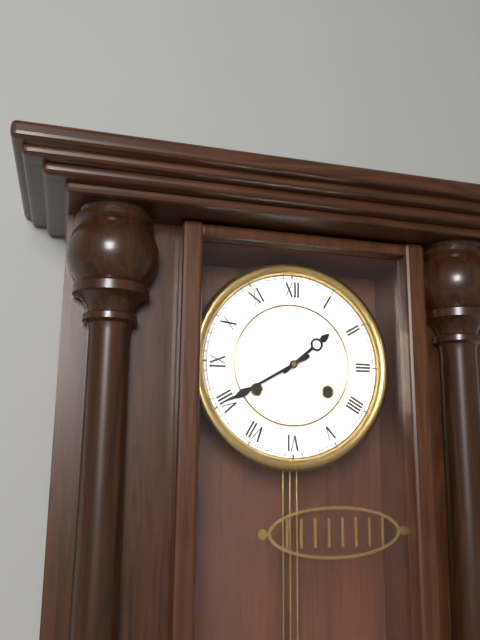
h=1 m=40
